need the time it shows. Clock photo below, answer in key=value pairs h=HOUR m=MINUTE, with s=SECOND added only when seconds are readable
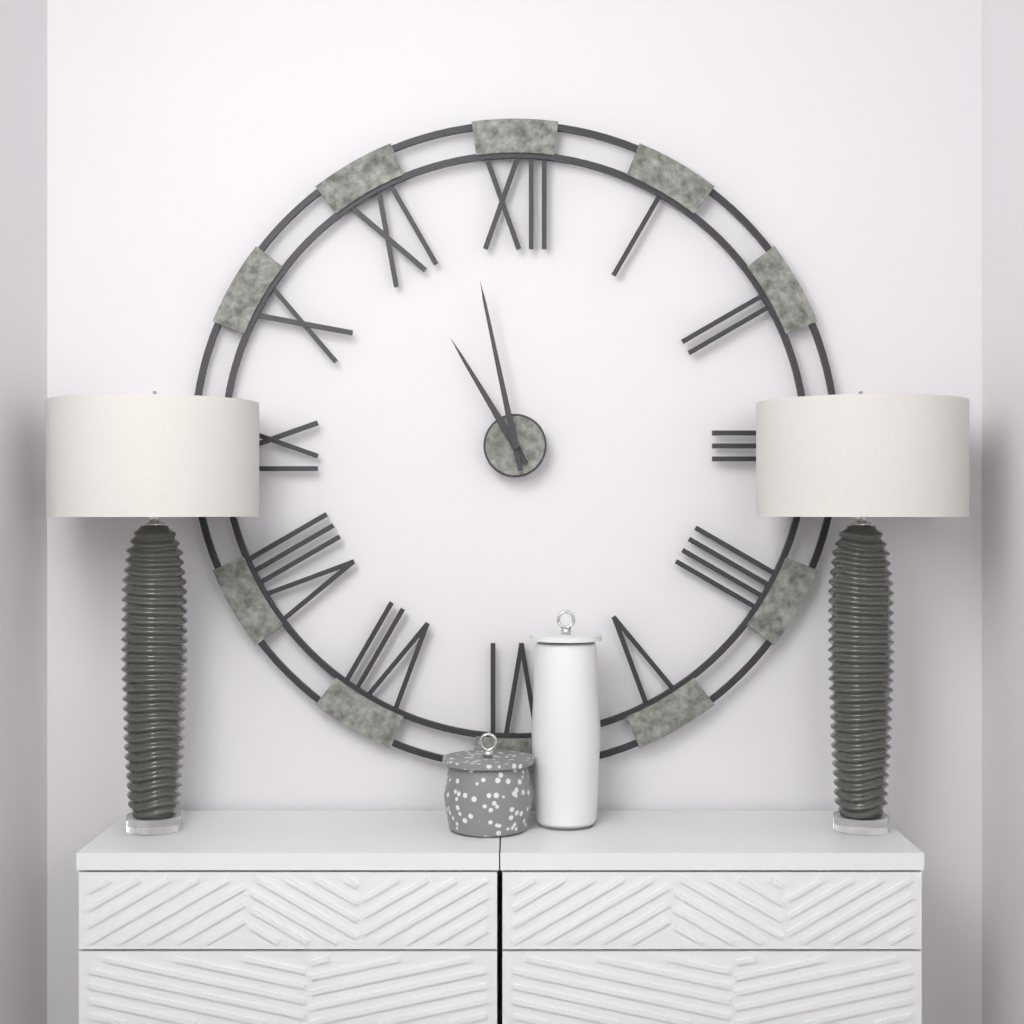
h=10 m=58
